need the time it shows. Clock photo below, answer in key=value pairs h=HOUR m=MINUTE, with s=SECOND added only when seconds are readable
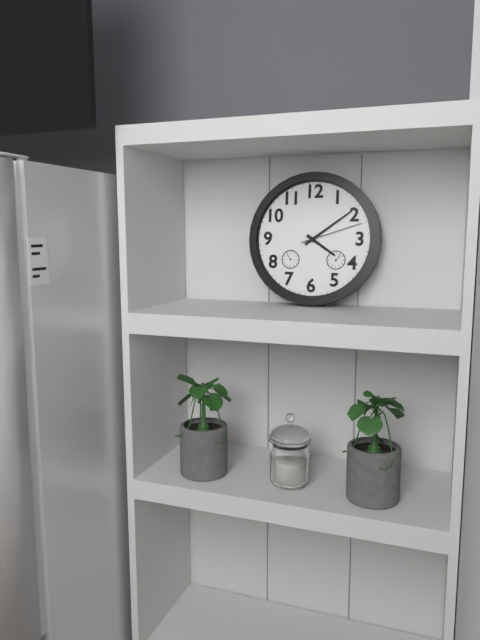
h=4 m=9 s=12
